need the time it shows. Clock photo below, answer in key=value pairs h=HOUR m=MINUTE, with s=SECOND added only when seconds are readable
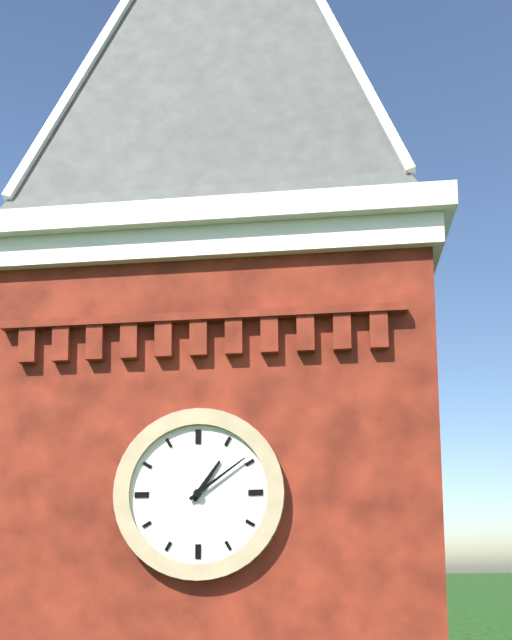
h=1 m=9
